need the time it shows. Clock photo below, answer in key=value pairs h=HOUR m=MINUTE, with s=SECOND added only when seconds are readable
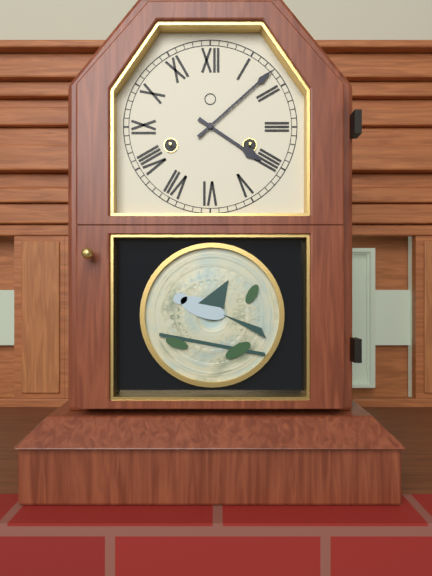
h=4 m=8
